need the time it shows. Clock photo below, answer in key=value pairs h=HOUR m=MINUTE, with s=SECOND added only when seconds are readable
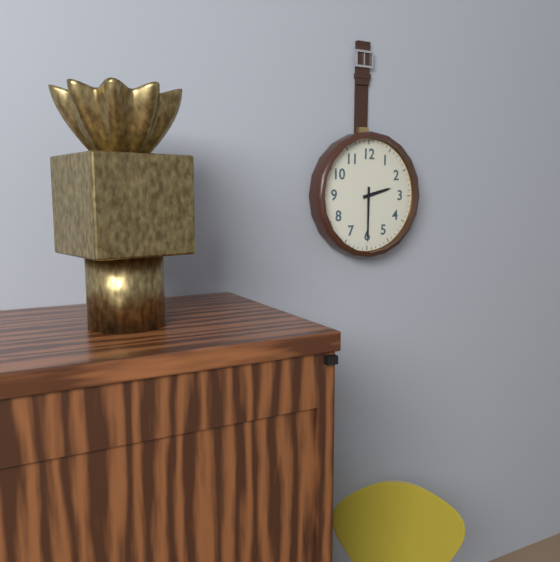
h=2 m=30
